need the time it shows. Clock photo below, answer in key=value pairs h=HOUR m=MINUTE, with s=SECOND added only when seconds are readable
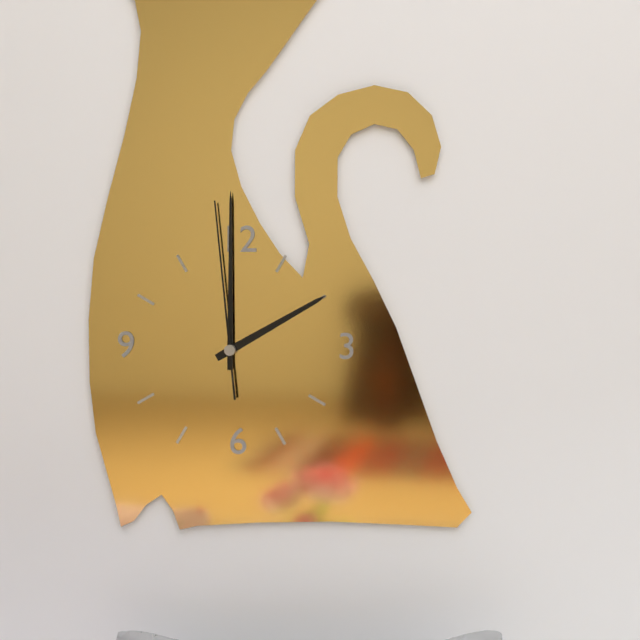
h=2 m=0 s=59
